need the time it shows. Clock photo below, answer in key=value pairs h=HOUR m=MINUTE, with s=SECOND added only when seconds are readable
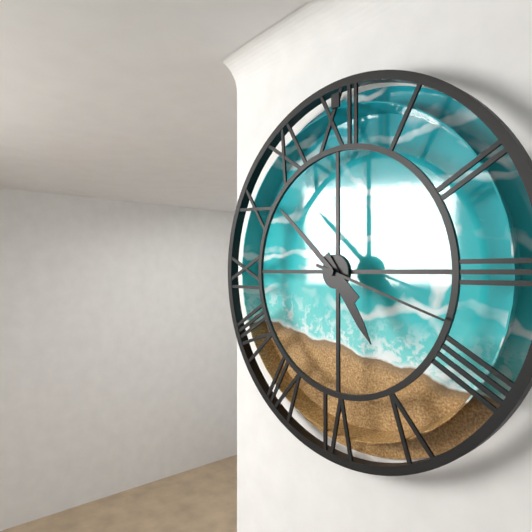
h=4 m=52 s=18
